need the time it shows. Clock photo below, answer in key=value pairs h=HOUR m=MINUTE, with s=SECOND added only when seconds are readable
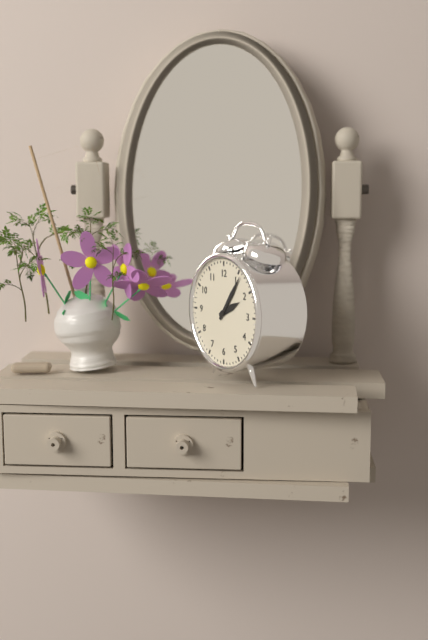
h=2 m=6
